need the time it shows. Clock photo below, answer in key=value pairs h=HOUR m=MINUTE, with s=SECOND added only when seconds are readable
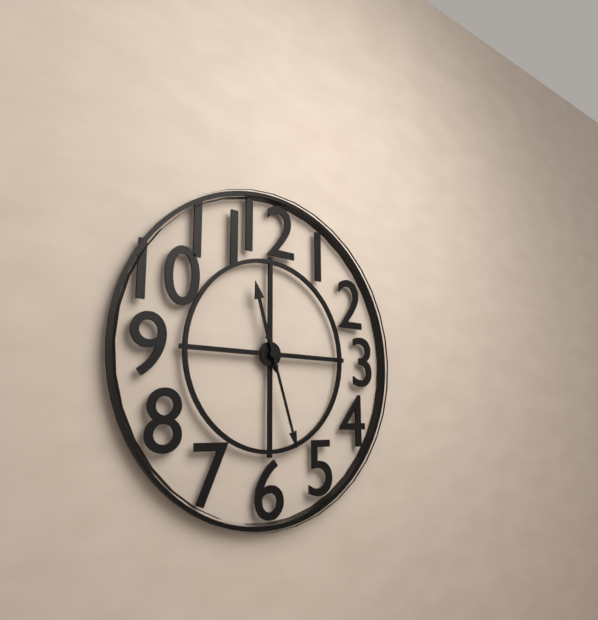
h=11 m=27
